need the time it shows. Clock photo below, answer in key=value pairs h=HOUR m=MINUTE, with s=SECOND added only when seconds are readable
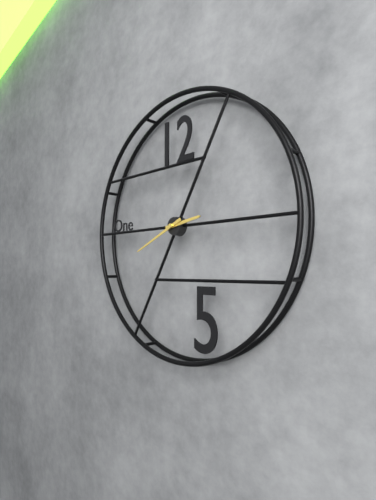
h=2 m=41
